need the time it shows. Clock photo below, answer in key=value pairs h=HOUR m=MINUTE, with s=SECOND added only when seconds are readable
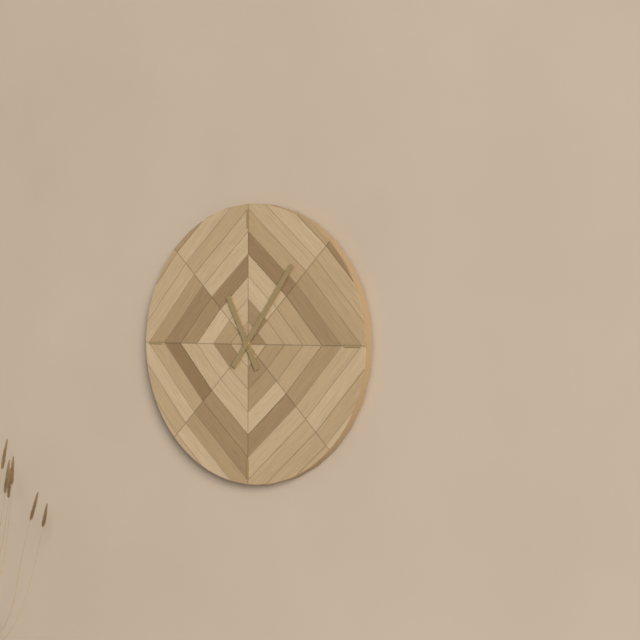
h=11 m=6
